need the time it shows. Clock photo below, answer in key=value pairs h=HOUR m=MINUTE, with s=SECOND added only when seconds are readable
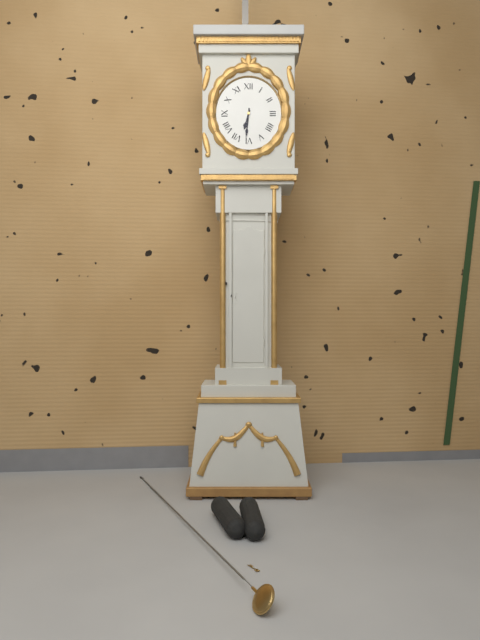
h=6 m=31
